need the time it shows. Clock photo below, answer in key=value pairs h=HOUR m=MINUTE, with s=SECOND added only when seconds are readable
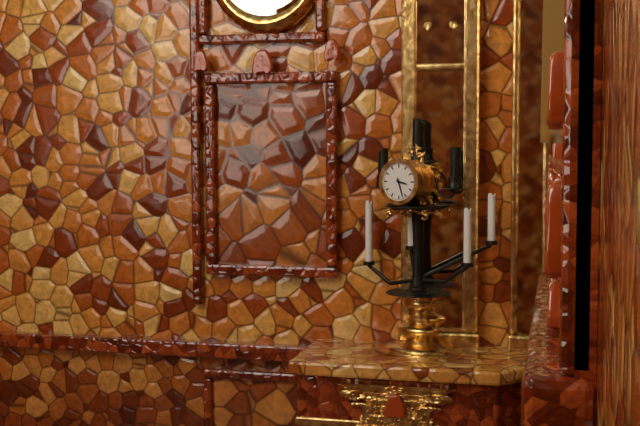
h=3 m=27
